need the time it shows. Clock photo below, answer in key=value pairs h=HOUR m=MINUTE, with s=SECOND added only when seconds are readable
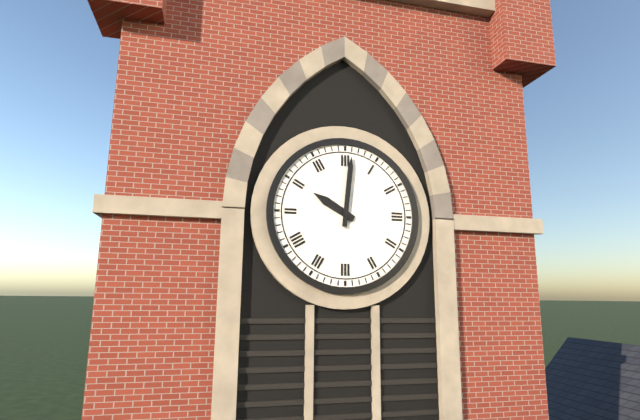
h=10 m=1
